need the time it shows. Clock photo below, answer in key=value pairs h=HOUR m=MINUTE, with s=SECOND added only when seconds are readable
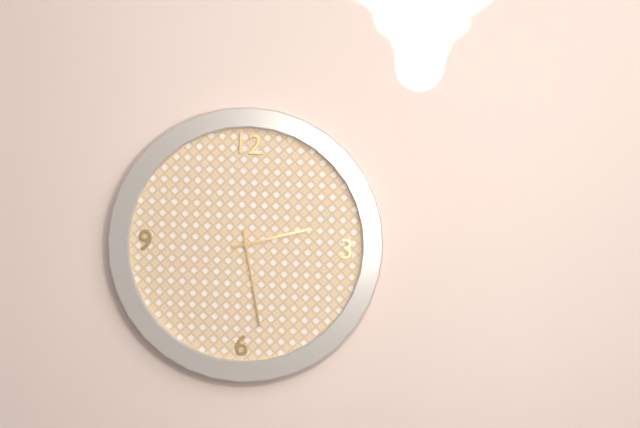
h=2 m=28
